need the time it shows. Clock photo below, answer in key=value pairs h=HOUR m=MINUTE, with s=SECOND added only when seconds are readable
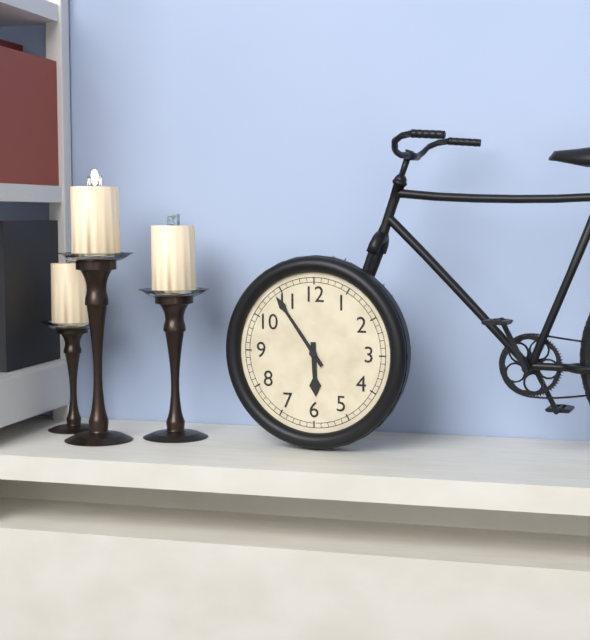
h=5 m=54
